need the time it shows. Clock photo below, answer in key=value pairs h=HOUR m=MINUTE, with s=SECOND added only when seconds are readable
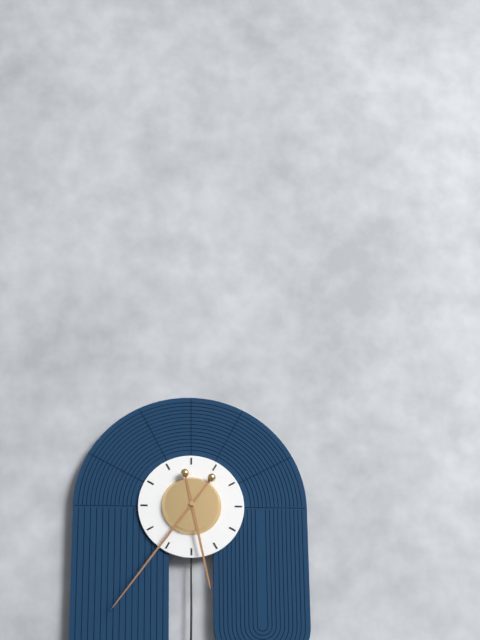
h=5 m=36
